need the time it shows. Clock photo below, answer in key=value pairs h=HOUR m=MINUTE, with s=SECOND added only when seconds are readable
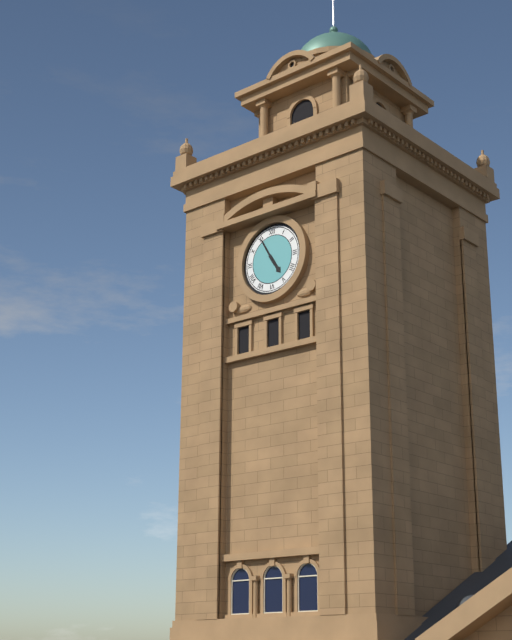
h=4 m=55
